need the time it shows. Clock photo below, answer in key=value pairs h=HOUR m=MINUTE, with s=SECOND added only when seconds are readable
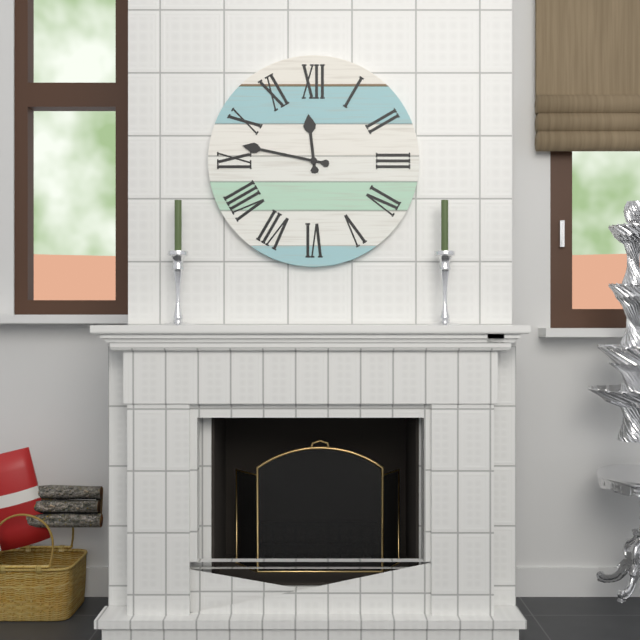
h=11 m=47
